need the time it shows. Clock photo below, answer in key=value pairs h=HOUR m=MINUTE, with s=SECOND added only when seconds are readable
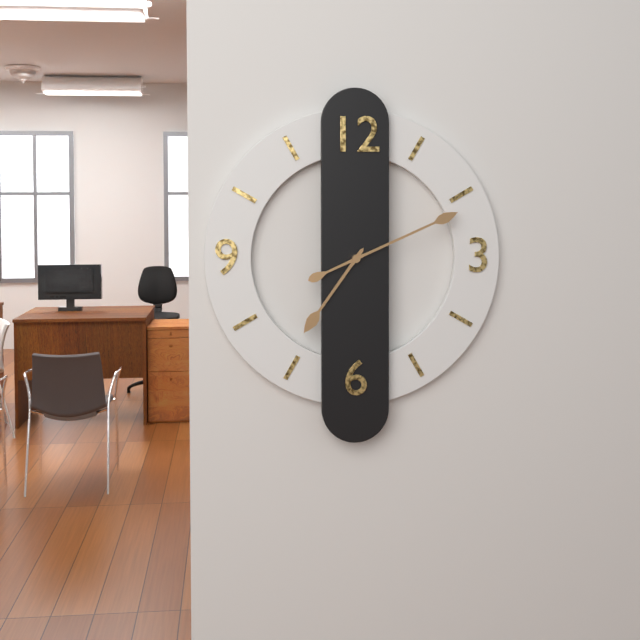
h=7 m=11
